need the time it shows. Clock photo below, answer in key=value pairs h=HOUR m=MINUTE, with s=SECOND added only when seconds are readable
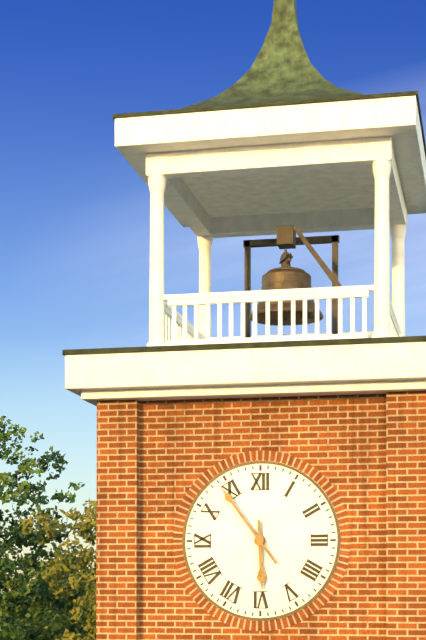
h=5 m=54
